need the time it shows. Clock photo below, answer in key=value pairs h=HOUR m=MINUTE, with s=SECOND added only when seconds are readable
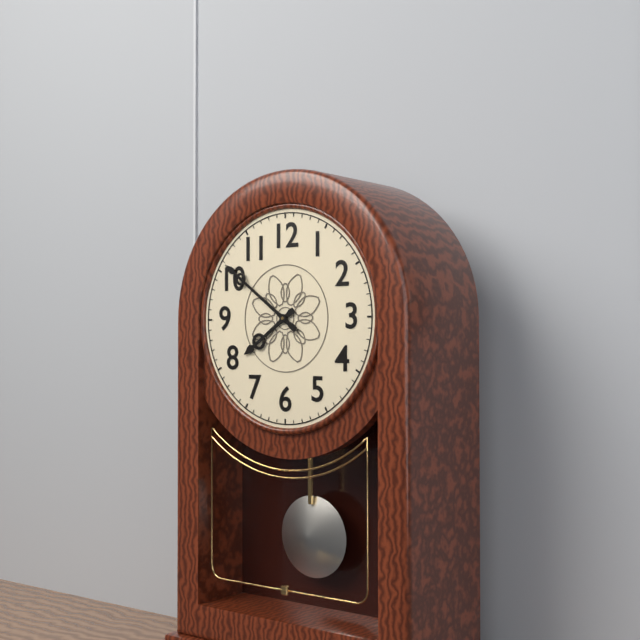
h=7 m=51
